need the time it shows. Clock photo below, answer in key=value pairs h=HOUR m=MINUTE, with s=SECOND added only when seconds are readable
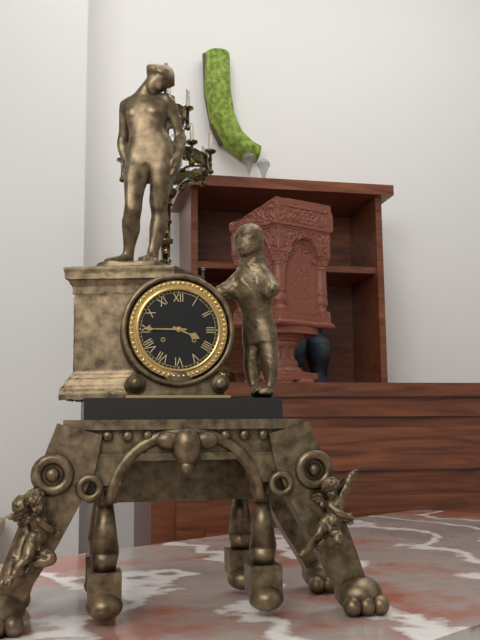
h=3 m=45
